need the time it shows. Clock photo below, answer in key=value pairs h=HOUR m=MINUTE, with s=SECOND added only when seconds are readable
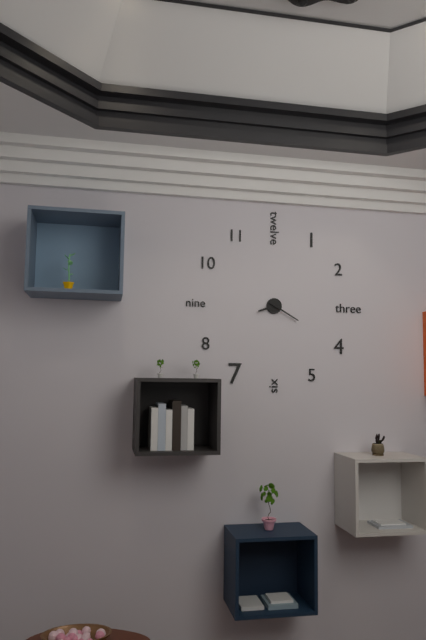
h=8 m=20
